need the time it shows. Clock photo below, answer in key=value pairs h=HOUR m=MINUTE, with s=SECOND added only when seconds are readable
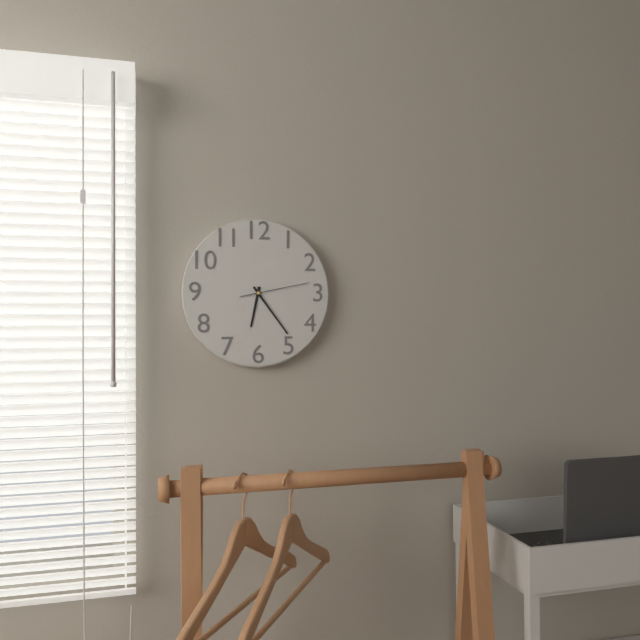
h=6 m=24 s=13
